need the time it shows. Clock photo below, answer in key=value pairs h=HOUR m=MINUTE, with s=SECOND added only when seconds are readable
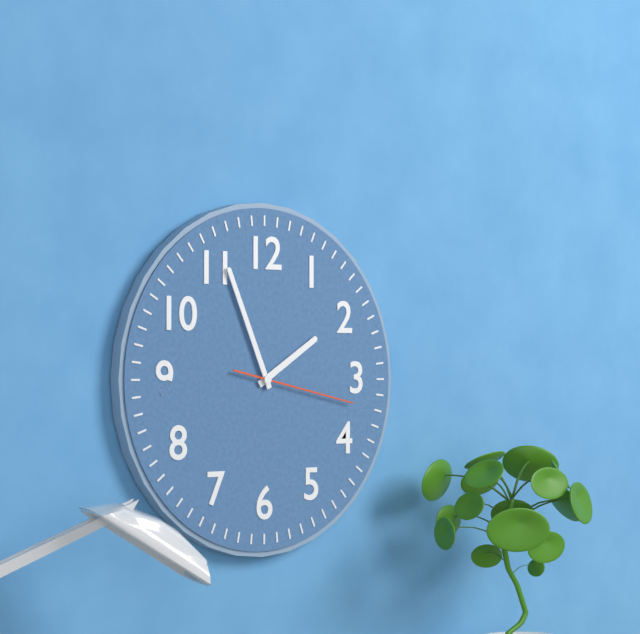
h=1 m=56 s=17
